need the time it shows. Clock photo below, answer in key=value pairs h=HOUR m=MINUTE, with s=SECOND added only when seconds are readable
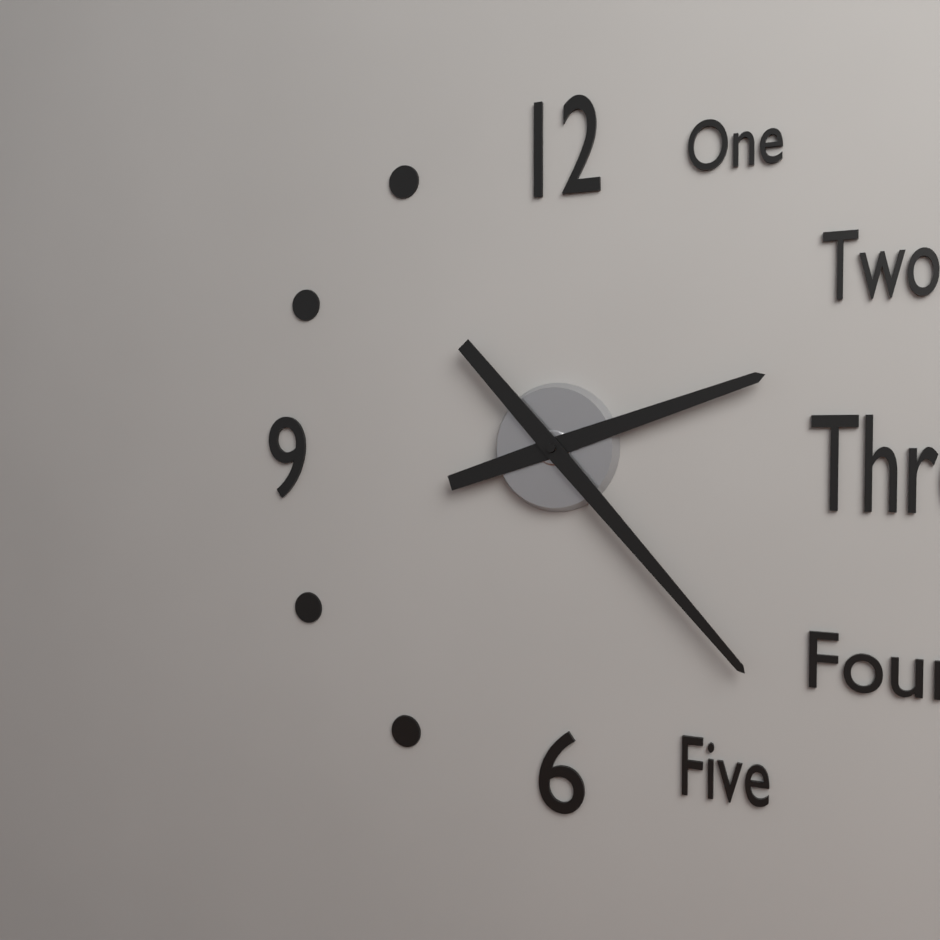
h=2 m=23
